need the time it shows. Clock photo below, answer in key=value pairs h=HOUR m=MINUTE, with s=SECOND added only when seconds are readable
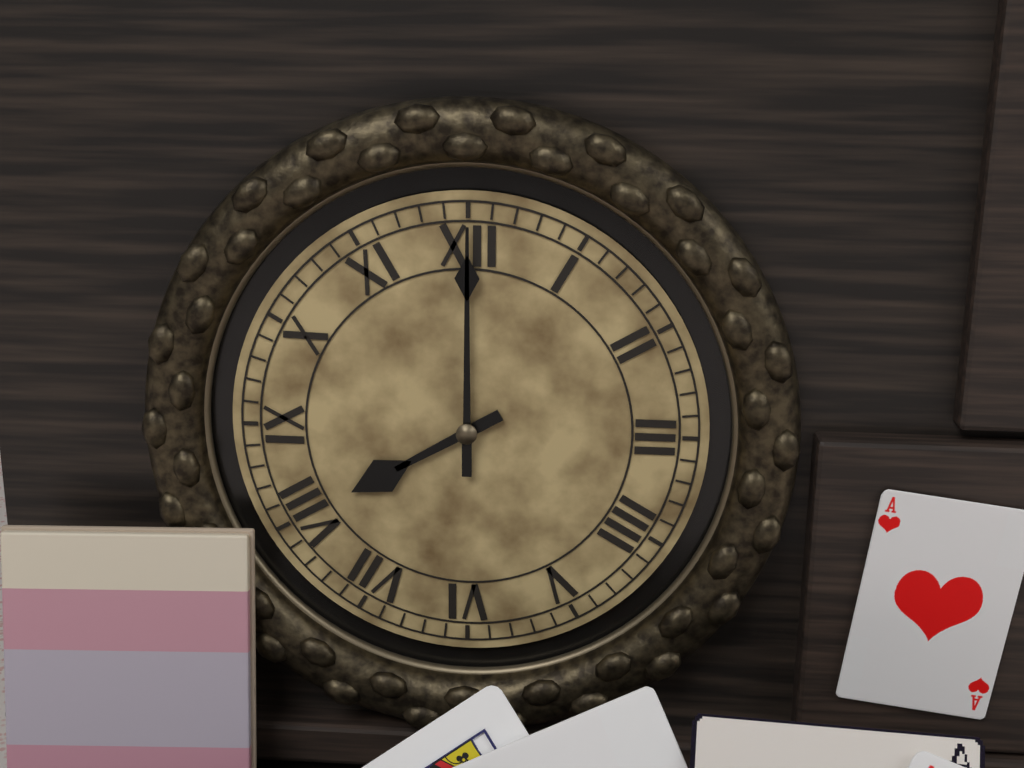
h=8 m=0
